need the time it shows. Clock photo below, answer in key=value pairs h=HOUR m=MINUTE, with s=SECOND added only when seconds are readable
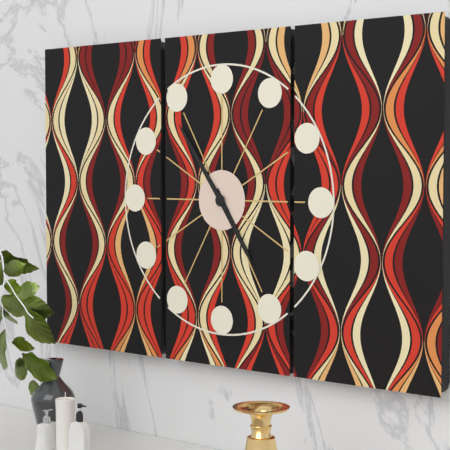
h=4 m=54
